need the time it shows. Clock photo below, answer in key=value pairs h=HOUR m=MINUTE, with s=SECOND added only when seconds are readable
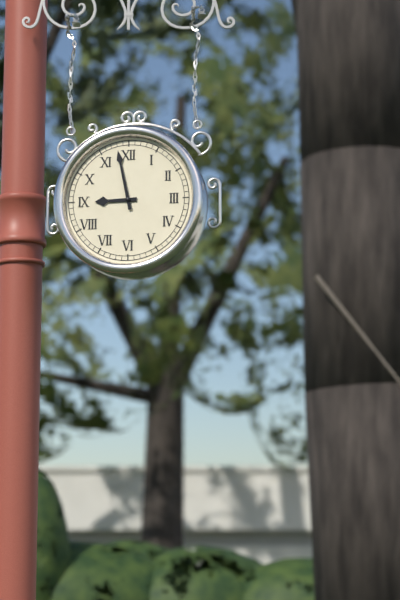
h=8 m=58
